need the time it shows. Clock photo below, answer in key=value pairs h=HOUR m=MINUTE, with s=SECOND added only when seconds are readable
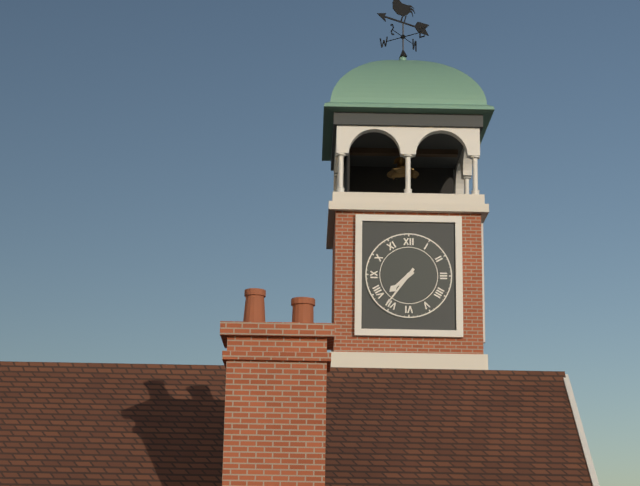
h=7 m=36
